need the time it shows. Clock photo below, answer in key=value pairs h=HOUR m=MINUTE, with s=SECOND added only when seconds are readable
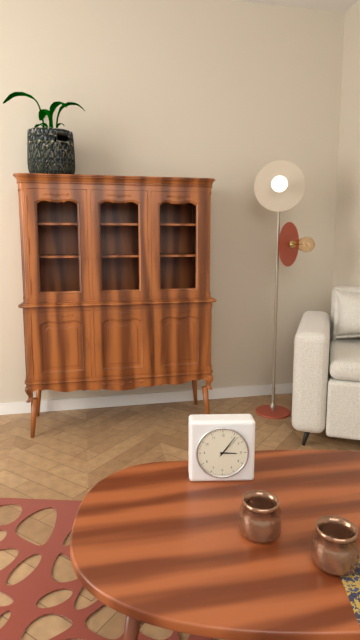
h=3 m=6
